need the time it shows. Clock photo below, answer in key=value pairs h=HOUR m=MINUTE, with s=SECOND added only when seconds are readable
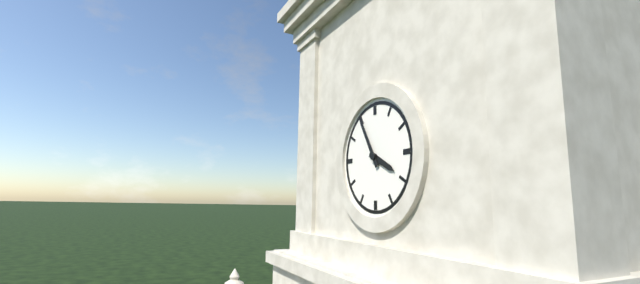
h=3 m=55
